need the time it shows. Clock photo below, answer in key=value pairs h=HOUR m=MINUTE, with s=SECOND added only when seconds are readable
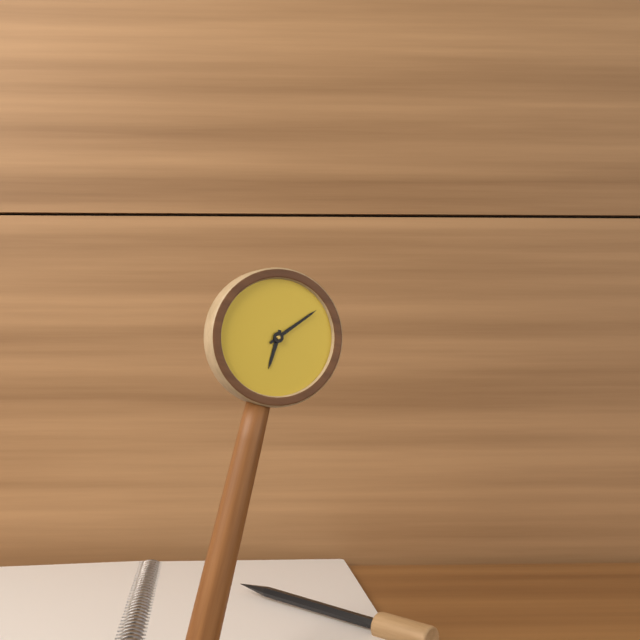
h=6 m=7
